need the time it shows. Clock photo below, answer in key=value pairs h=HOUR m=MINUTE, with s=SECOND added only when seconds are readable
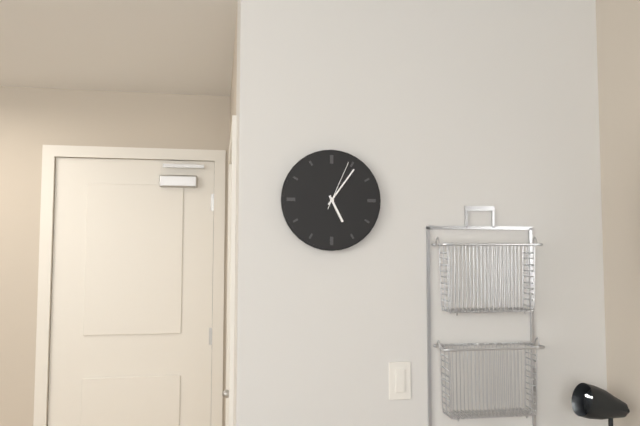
h=5 m=6 s=4
